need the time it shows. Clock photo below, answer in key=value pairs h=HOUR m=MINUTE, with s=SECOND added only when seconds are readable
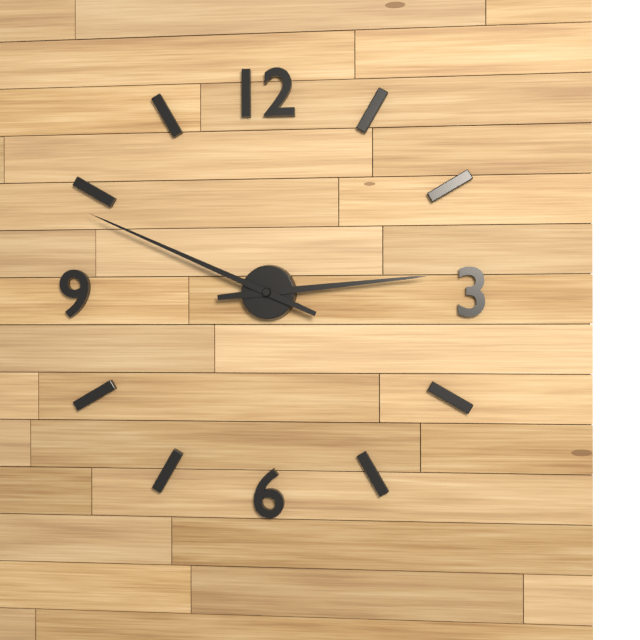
h=2 m=49
